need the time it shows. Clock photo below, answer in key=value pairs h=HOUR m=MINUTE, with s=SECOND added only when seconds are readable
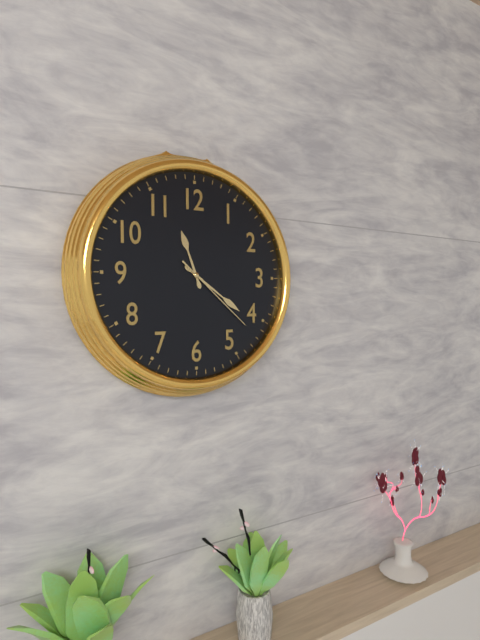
h=11 m=21 s=22
